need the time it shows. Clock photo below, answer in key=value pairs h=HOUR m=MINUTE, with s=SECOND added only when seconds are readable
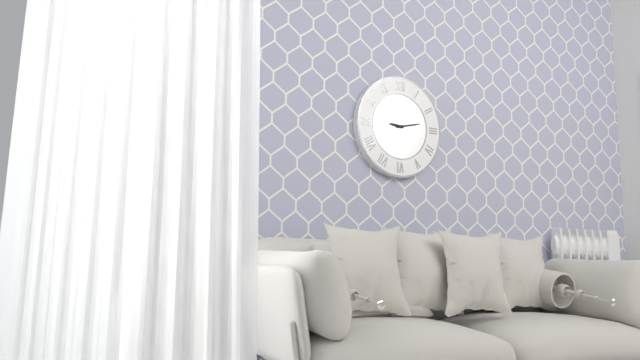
h=9 m=13
